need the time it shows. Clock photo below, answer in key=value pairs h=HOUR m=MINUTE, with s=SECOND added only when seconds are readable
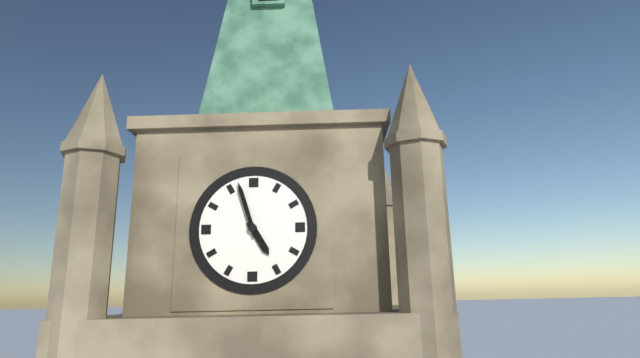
h=4 m=57
